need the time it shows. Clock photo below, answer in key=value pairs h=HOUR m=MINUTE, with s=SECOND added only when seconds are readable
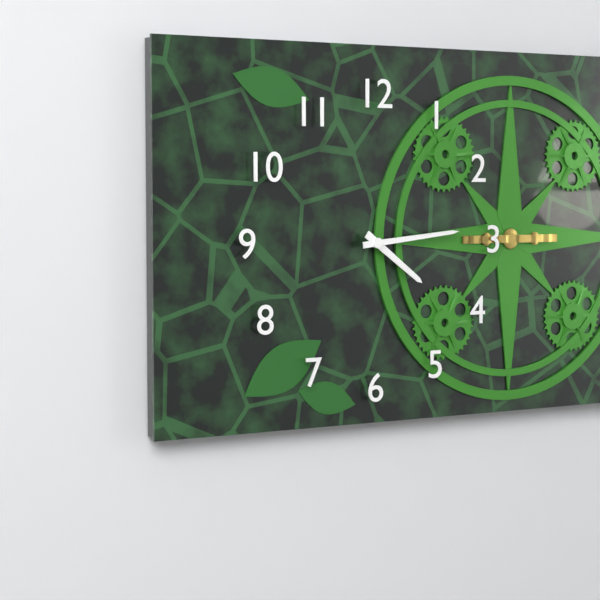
h=4 m=14
